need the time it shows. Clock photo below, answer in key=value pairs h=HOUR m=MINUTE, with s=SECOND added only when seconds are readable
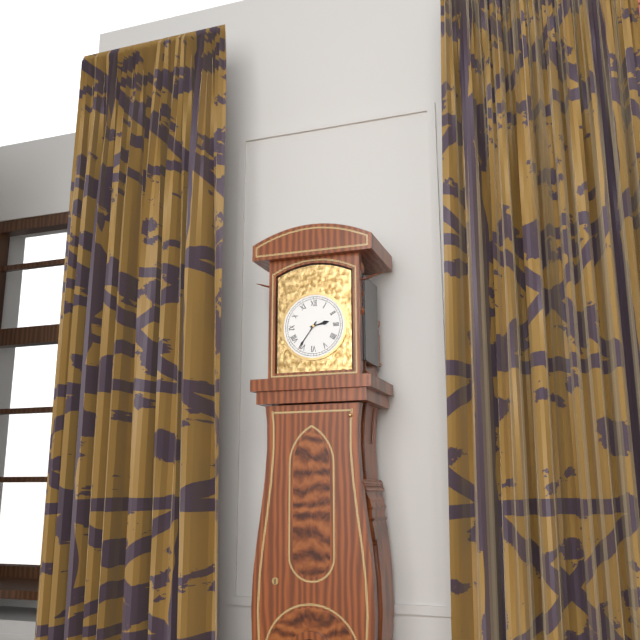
h=2 m=36
